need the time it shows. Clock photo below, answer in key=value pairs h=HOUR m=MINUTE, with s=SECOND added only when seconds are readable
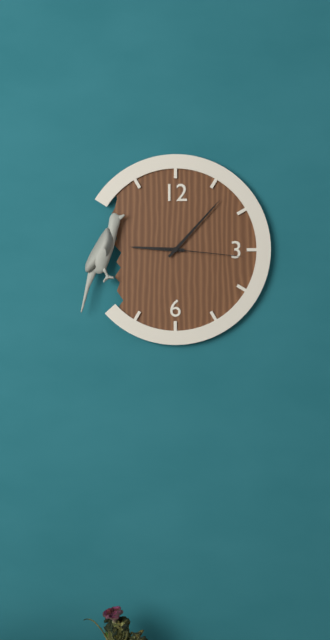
h=9 m=7 s=16
